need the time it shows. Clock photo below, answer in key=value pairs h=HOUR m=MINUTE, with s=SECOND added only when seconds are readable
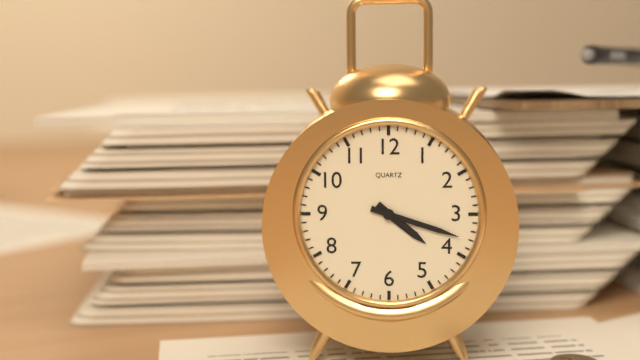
h=4 m=18
